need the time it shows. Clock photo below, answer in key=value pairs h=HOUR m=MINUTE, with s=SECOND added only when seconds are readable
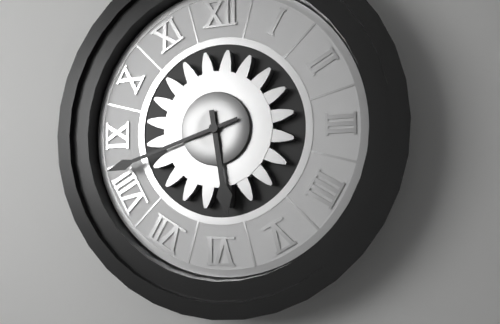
h=5 m=42
